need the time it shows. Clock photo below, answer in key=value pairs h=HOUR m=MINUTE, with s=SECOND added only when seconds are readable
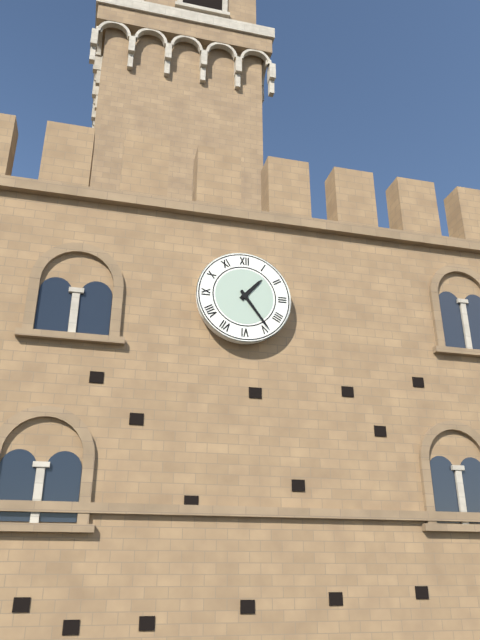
h=1 m=24
